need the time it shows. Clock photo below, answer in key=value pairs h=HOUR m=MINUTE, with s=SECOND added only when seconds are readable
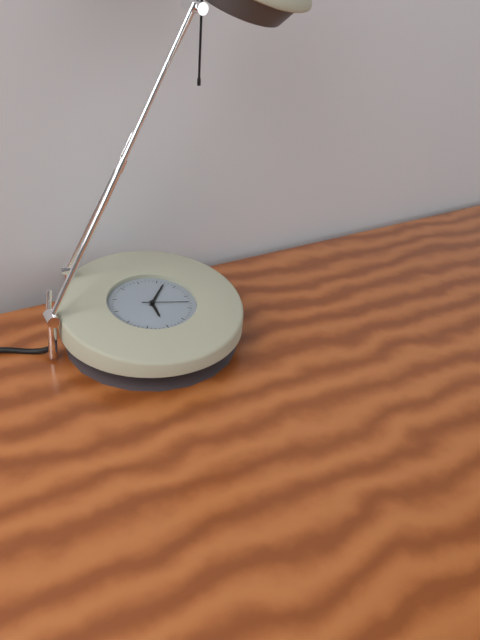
h=6 m=7
